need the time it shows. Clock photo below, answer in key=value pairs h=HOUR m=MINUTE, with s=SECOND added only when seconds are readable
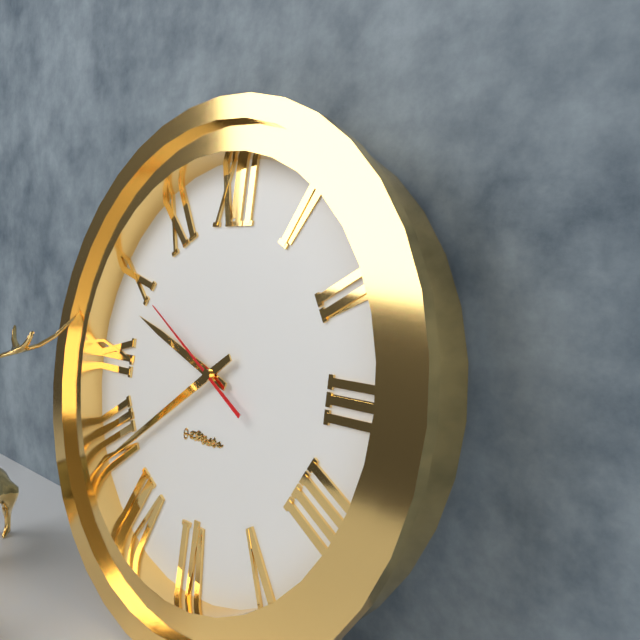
h=9 m=39 s=50
